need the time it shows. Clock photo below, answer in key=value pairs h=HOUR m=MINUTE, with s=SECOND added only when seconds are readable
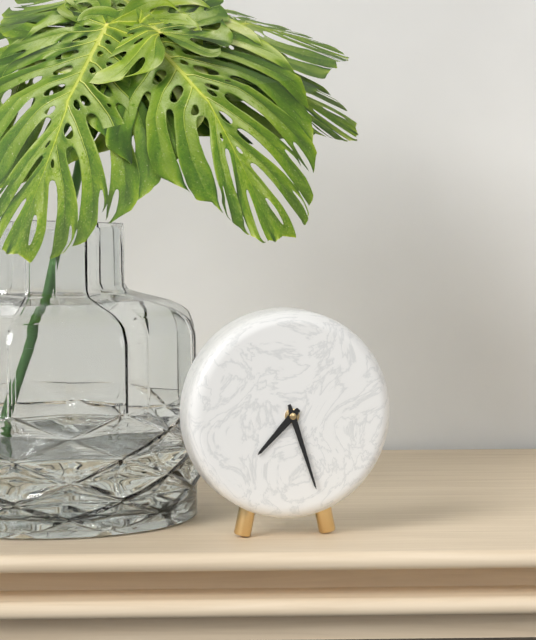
h=7 m=27
